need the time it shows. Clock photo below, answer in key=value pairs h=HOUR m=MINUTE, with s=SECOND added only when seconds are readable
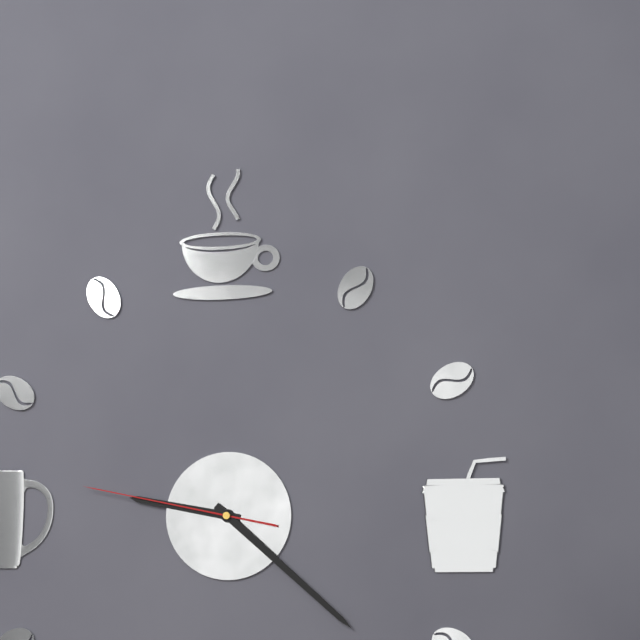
h=9 m=22 s=47
